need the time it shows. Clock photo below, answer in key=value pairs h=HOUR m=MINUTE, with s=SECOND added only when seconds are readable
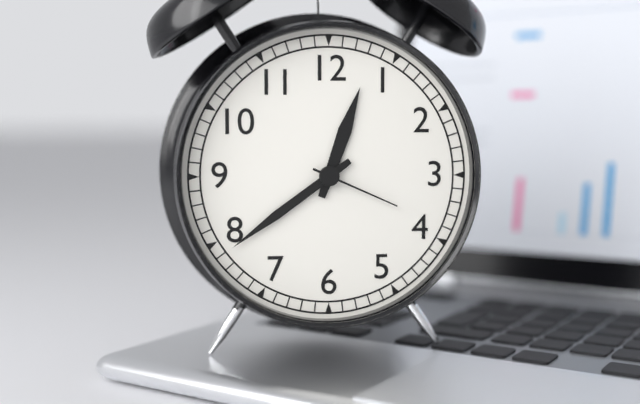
h=12 m=39 s=19
